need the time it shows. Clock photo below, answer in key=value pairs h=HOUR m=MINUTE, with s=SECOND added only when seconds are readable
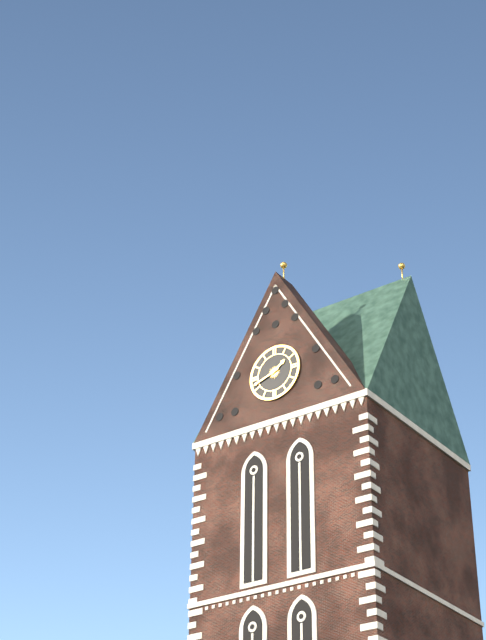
h=1 m=42
